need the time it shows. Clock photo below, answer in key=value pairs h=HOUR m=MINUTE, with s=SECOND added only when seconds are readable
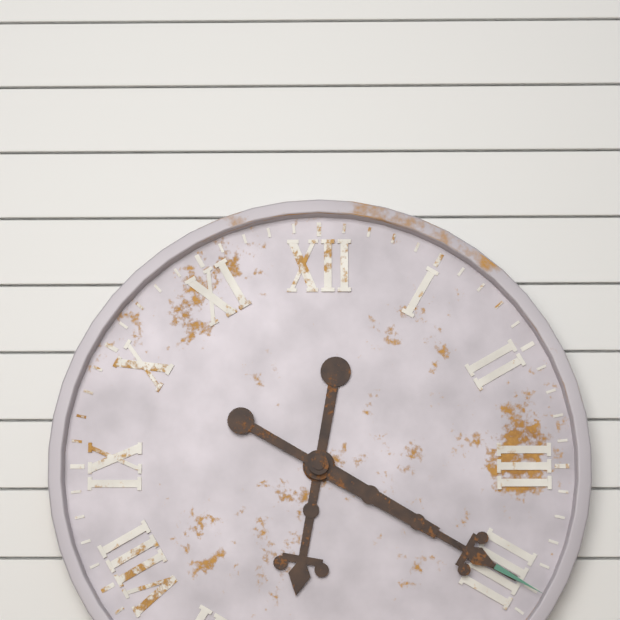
h=6 m=20
